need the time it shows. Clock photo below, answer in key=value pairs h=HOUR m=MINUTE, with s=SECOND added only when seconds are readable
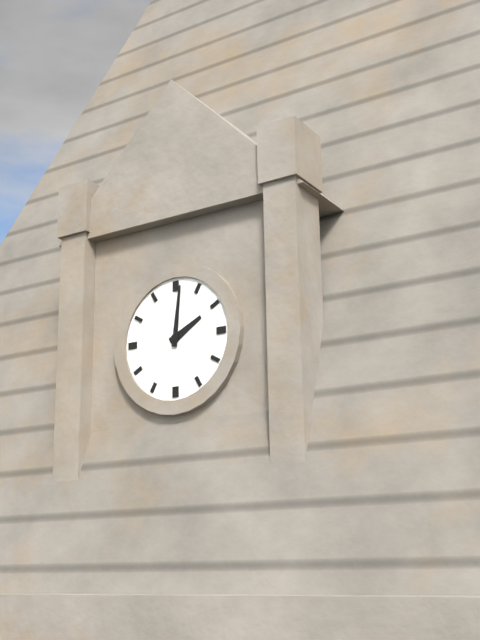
h=2 m=1
